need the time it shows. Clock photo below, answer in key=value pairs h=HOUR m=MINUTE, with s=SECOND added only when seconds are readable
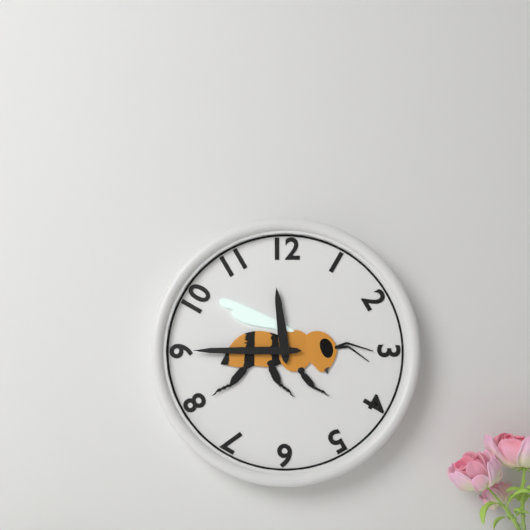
h=11 m=45
